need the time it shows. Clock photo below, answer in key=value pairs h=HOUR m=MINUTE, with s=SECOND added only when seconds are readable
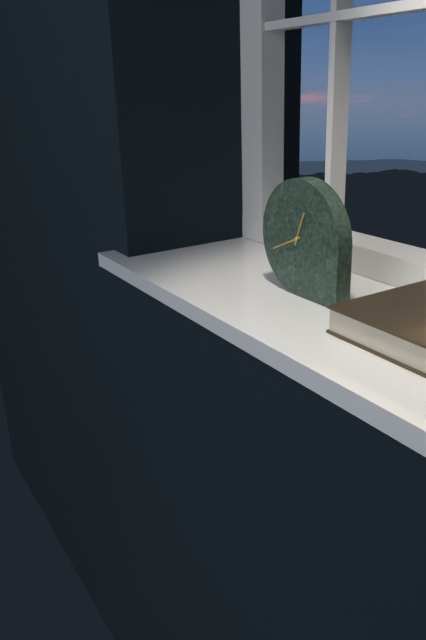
h=12 m=41
